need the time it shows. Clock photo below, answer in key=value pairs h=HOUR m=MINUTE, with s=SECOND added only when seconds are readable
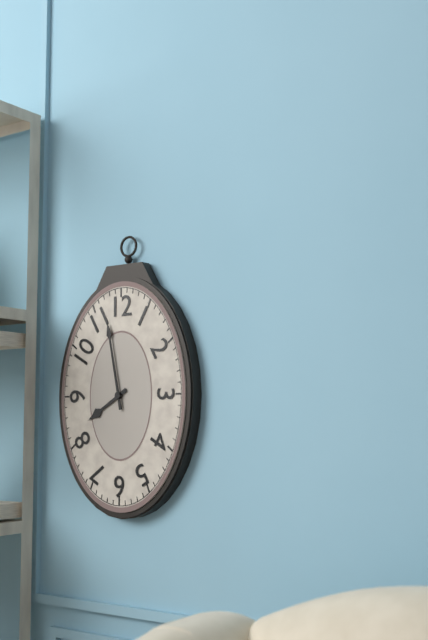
h=7 m=58
